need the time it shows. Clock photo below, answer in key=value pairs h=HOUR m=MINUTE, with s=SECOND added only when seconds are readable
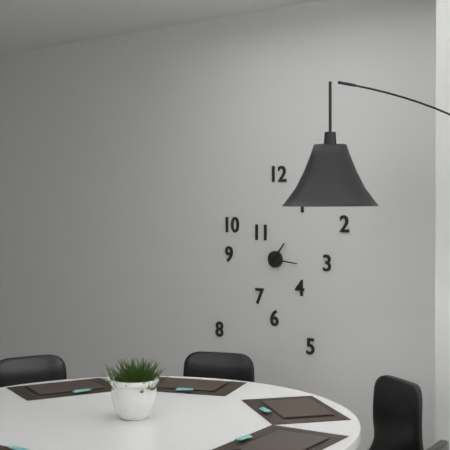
h=1 m=16
